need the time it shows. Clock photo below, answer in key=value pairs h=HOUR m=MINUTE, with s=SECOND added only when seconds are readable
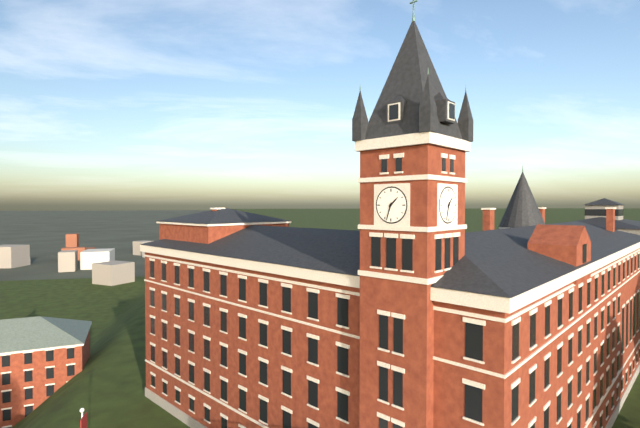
h=1 m=33
